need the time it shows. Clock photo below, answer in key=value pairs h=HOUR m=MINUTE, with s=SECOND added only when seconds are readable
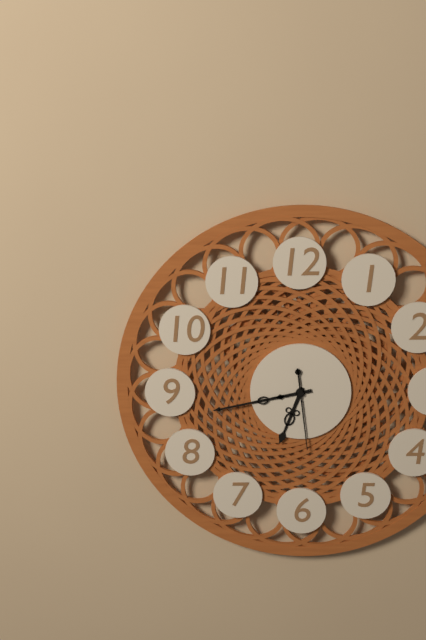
h=6 m=43 s=29
